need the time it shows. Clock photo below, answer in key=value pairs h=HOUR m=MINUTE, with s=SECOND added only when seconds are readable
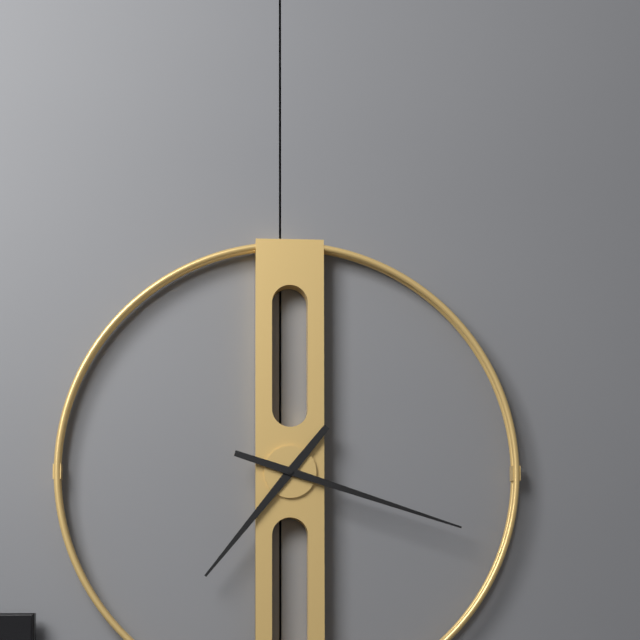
h=7 m=18
